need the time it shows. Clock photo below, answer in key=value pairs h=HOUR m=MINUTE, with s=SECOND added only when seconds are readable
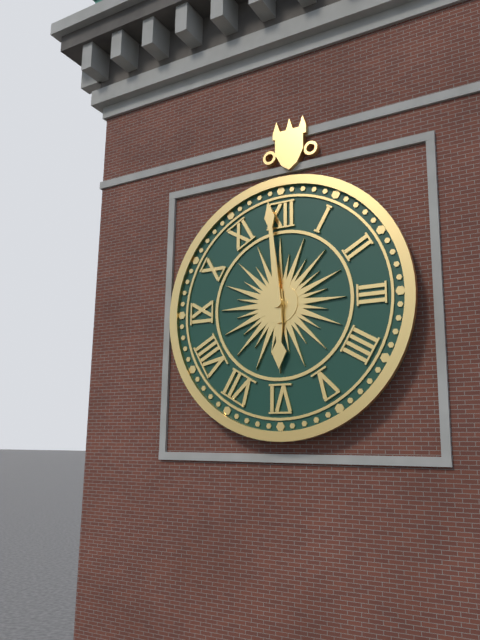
h=5 m=59
